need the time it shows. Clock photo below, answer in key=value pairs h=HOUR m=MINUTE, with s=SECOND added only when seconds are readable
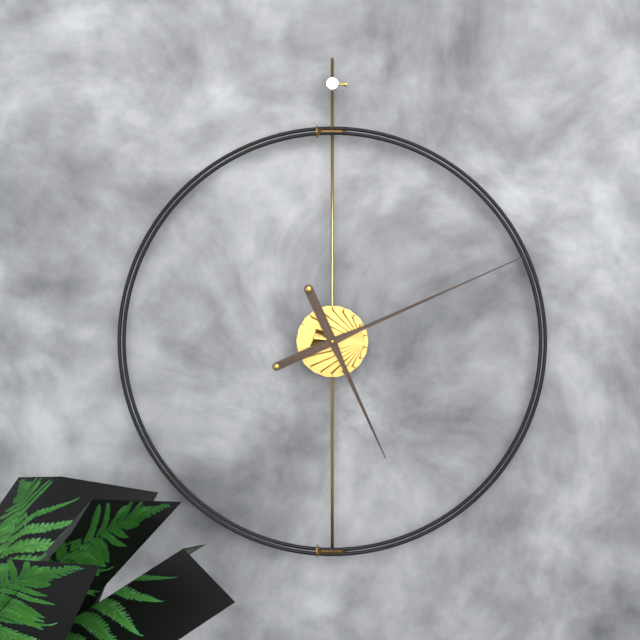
h=5 m=11
